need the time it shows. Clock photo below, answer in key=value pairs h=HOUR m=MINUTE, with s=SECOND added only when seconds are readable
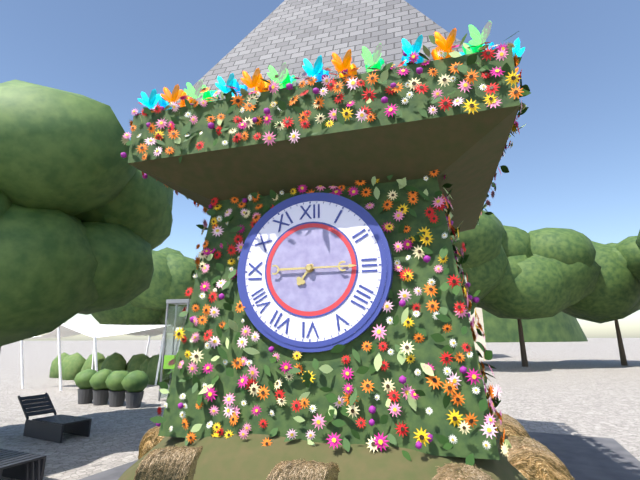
h=7 m=15
